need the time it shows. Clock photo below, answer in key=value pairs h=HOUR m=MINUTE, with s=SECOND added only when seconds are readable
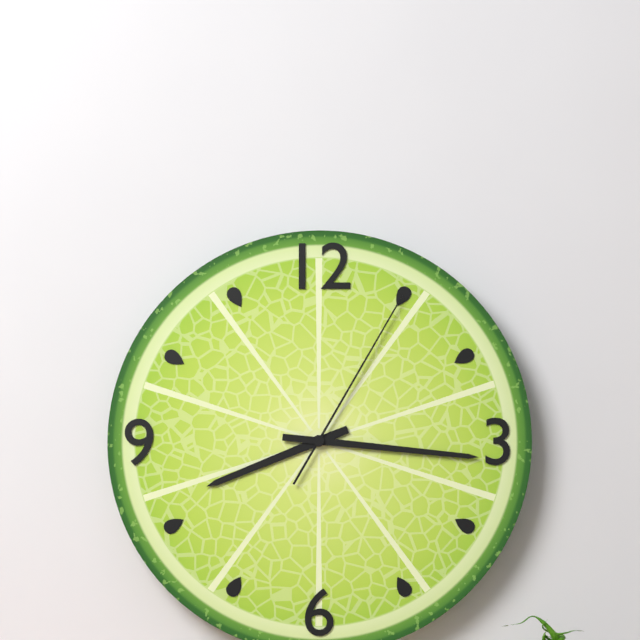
h=8 m=16 s=5
